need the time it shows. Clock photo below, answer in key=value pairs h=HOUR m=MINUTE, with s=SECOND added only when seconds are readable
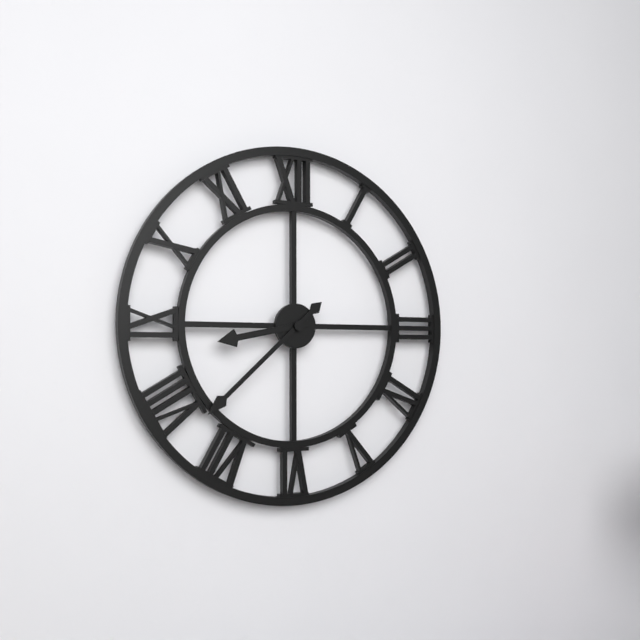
h=8 m=38
